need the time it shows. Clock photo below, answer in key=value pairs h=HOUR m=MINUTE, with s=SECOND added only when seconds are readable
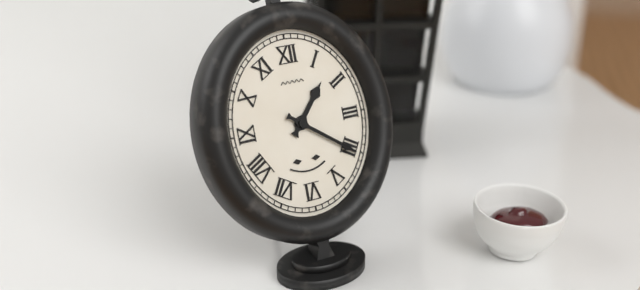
h=1 m=21
